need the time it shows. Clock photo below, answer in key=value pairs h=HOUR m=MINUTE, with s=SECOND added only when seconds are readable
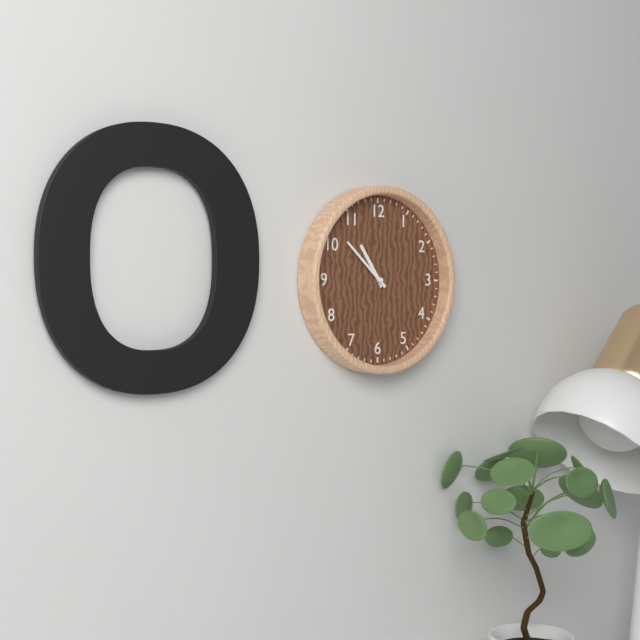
h=10 m=52
